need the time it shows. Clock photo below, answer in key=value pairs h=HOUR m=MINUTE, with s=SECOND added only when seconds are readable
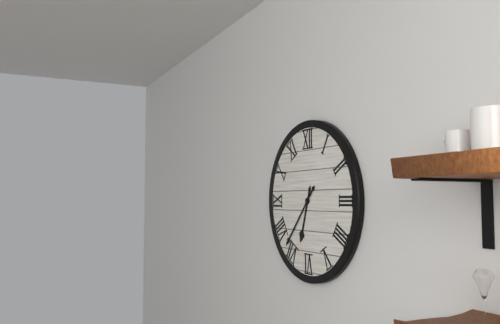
h=6 m=37
